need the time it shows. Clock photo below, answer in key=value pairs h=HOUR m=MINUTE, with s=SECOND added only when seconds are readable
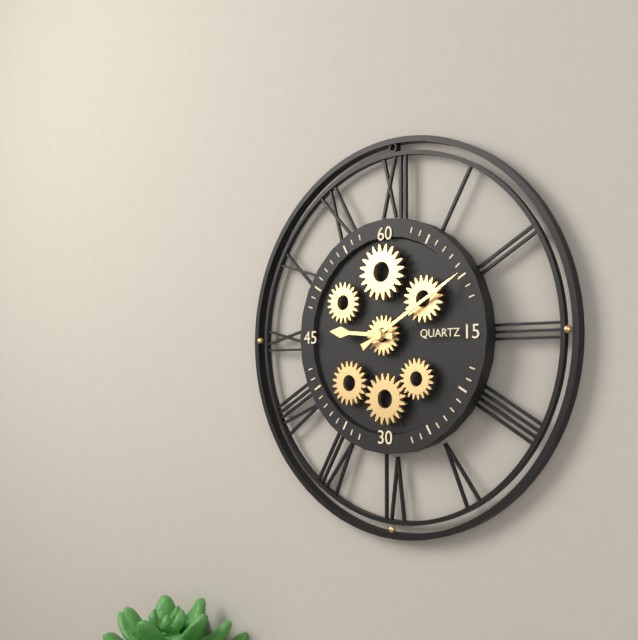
h=9 m=10
